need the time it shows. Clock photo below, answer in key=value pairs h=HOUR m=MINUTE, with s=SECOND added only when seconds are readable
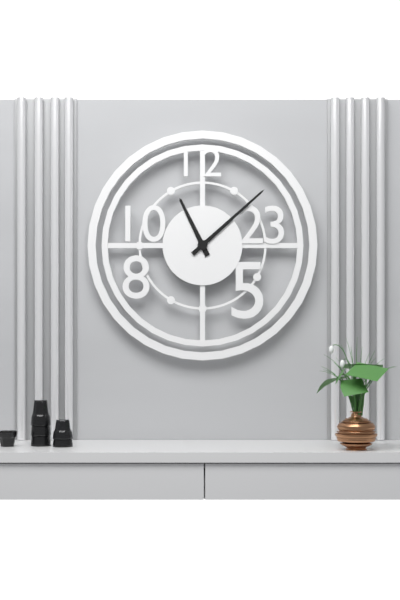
h=11 m=8
